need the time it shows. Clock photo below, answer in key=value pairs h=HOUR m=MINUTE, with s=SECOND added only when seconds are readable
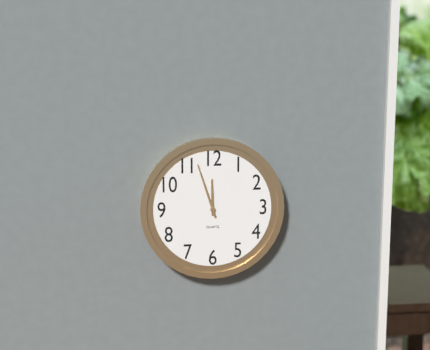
h=11 m=57
